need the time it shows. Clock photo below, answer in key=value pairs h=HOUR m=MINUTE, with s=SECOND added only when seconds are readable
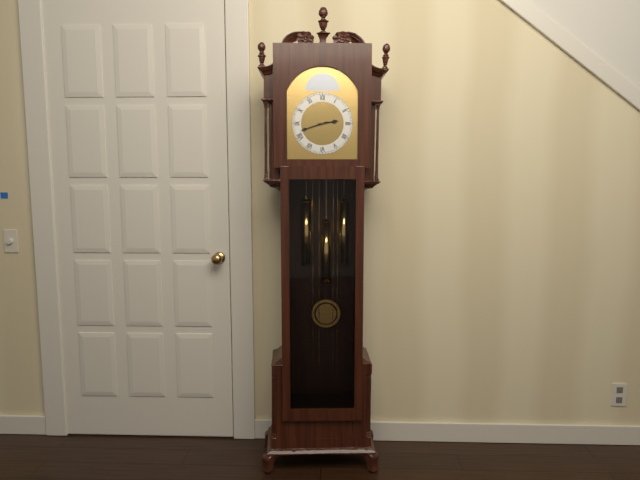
h=2 m=42
